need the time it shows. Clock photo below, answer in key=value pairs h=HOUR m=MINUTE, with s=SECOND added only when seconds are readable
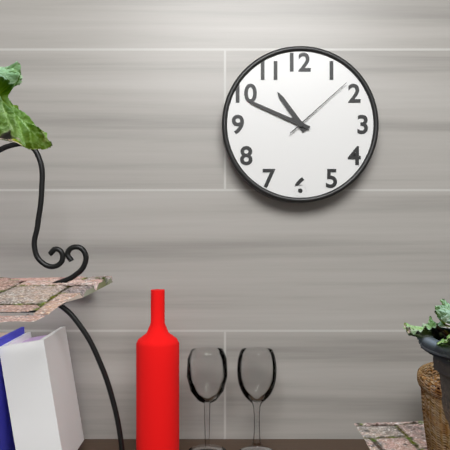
h=10 m=49 s=8
